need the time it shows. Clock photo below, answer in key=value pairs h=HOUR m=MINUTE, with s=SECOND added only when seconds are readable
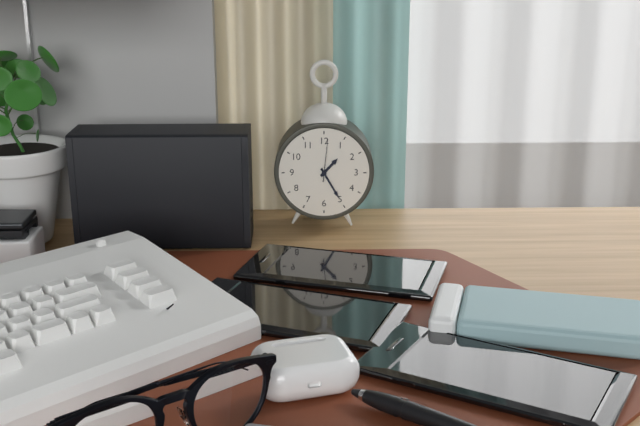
h=1 m=25
